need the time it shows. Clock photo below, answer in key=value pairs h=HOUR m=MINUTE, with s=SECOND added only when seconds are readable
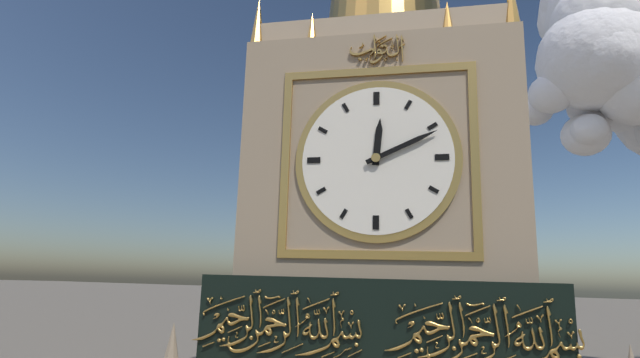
h=12 m=11
